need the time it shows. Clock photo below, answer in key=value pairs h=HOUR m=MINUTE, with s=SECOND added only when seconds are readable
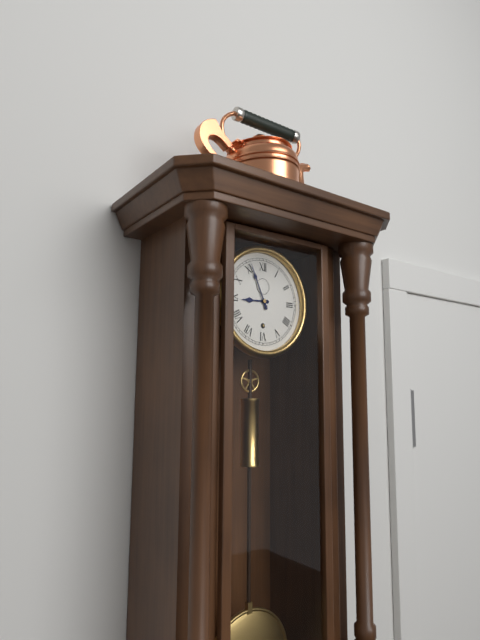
h=8 m=56
